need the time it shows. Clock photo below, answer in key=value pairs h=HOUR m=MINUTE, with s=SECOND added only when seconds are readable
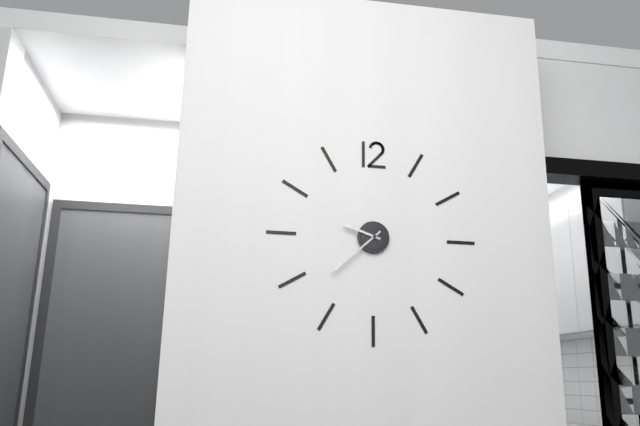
h=9 m=38
